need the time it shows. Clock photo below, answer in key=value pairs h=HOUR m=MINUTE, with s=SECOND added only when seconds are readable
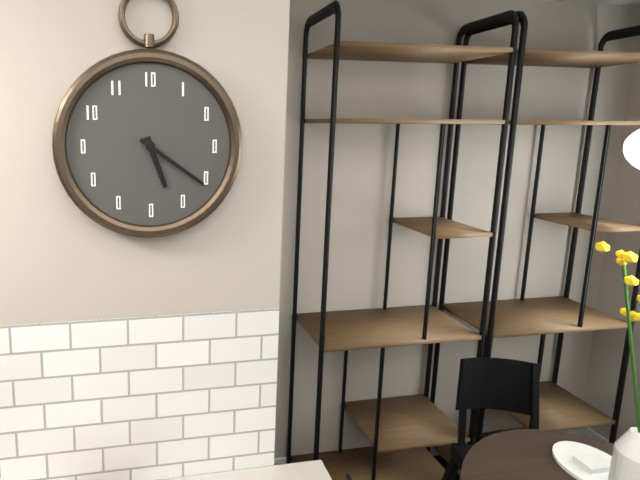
h=5 m=21
